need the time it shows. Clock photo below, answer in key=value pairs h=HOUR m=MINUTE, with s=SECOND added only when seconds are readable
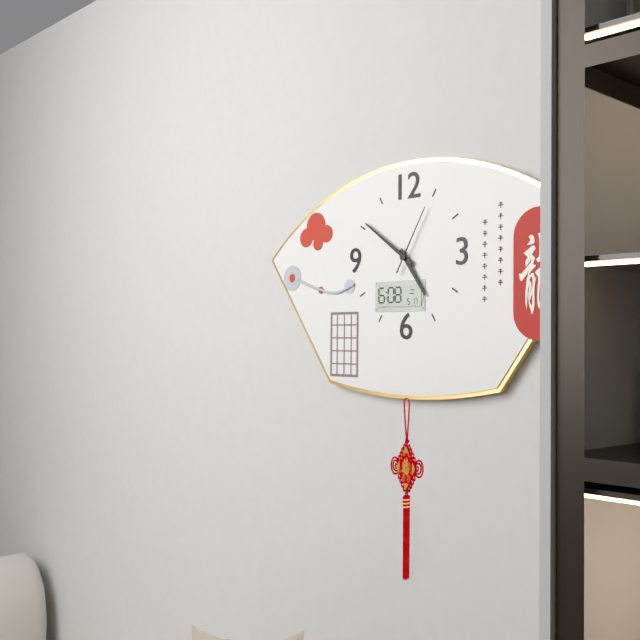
h=4 m=51 s=5
